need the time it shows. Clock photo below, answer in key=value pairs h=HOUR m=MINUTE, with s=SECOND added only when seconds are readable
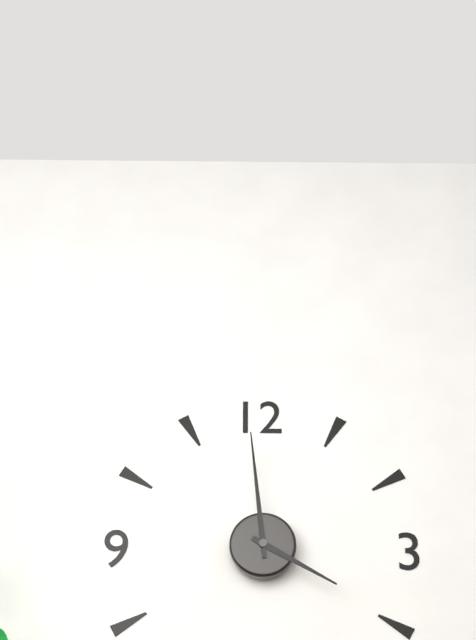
h=3 m=59
